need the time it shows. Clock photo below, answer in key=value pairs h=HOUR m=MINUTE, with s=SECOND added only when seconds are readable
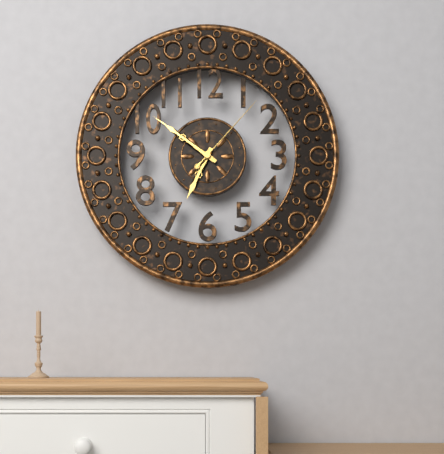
h=6 m=51 s=7
